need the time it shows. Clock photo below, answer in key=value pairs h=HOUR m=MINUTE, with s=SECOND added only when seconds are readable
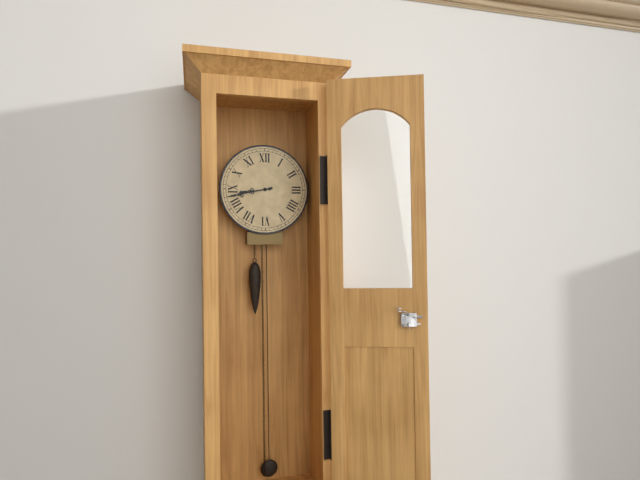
h=8 m=43
